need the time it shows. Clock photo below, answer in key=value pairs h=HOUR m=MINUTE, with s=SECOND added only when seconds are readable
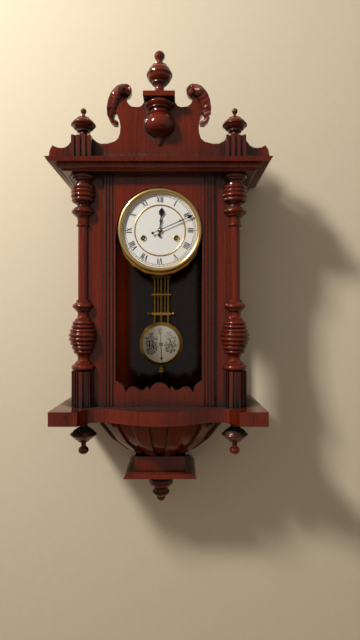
h=12 m=11
